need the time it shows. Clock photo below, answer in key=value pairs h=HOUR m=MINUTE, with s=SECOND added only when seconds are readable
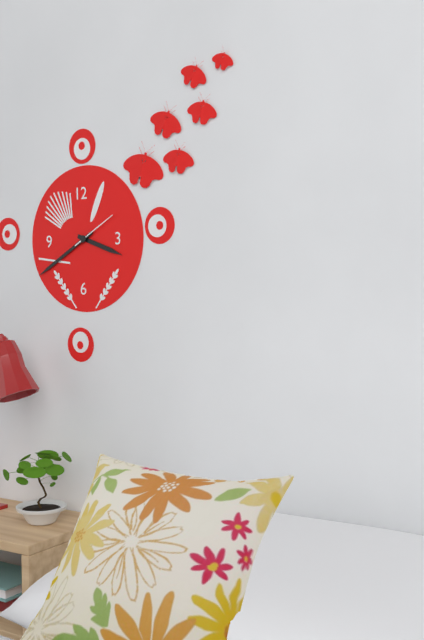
h=3 m=40
